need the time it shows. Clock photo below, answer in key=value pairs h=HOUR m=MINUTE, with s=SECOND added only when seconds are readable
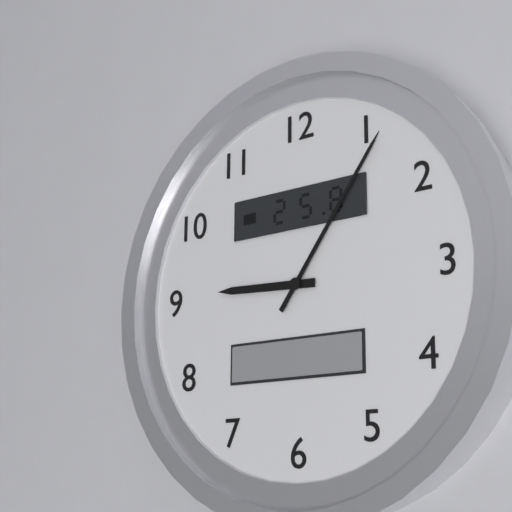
h=9 m=6
